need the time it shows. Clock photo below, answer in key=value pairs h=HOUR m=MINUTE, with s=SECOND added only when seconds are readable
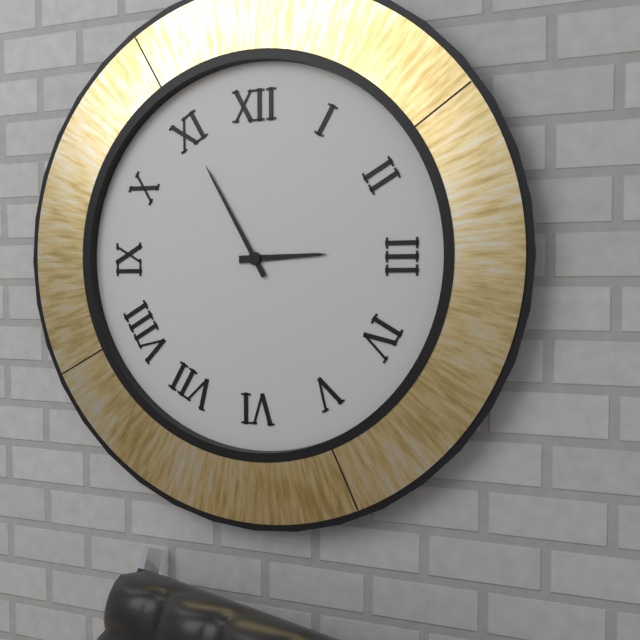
h=2 m=55
